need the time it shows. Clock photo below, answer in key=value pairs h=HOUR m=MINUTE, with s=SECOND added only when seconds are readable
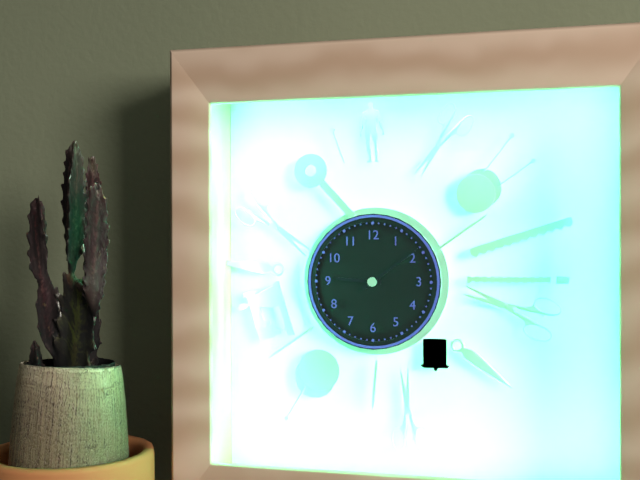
h=9 m=9
